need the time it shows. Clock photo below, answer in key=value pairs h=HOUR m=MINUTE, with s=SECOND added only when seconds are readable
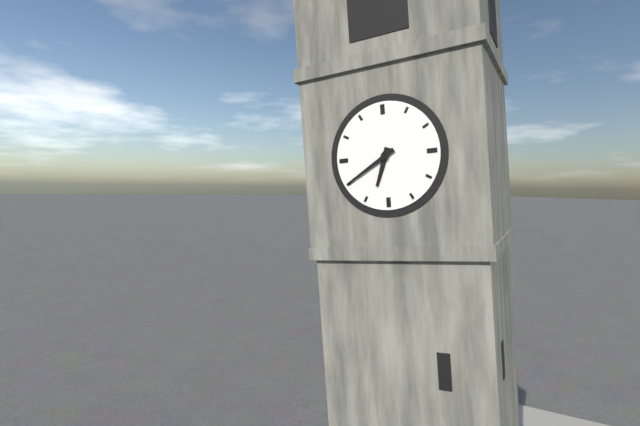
h=6 m=40
